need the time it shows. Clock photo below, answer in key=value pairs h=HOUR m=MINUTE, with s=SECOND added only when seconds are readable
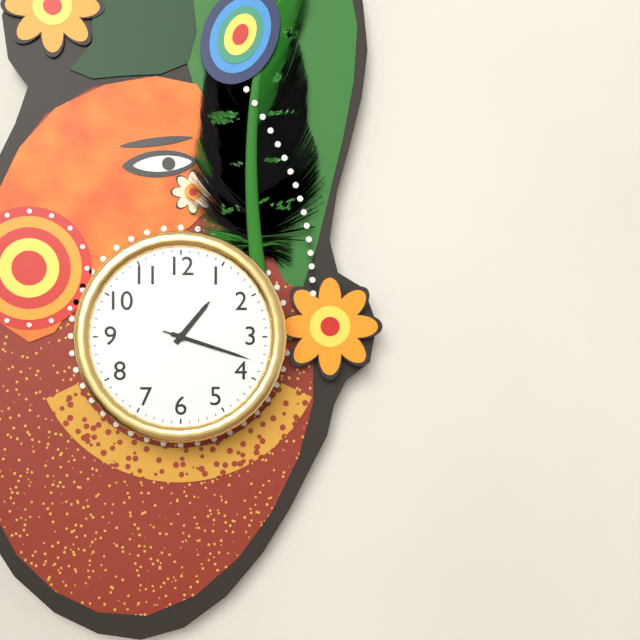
h=1 m=18 s=18
